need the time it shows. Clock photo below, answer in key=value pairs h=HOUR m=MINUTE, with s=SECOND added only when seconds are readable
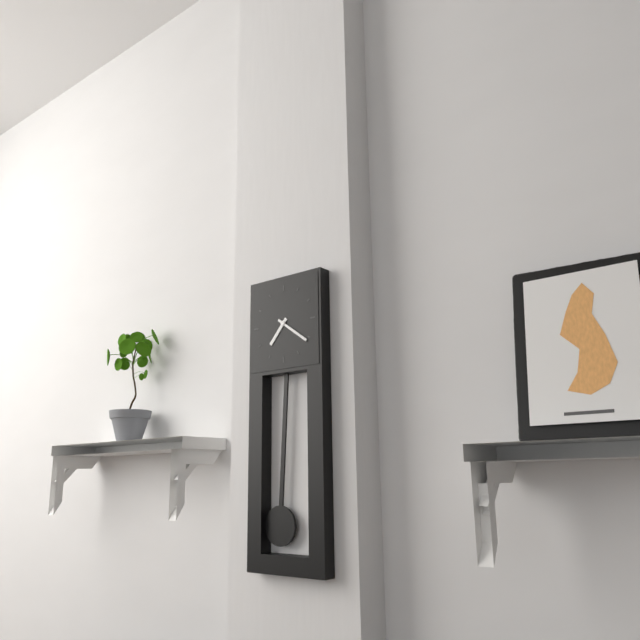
h=7 m=21
